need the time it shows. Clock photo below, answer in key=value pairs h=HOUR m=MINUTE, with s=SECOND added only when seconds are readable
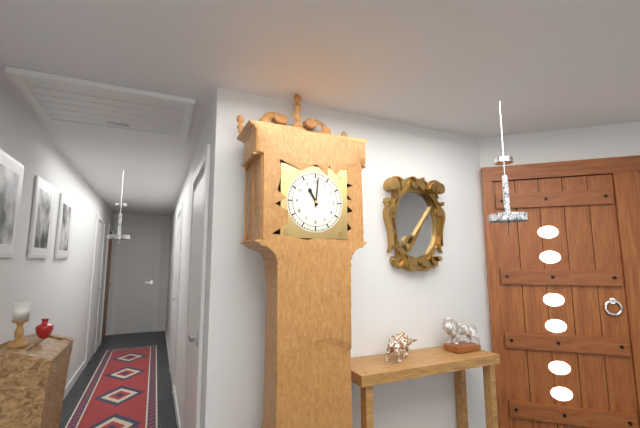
h=11 m=1
